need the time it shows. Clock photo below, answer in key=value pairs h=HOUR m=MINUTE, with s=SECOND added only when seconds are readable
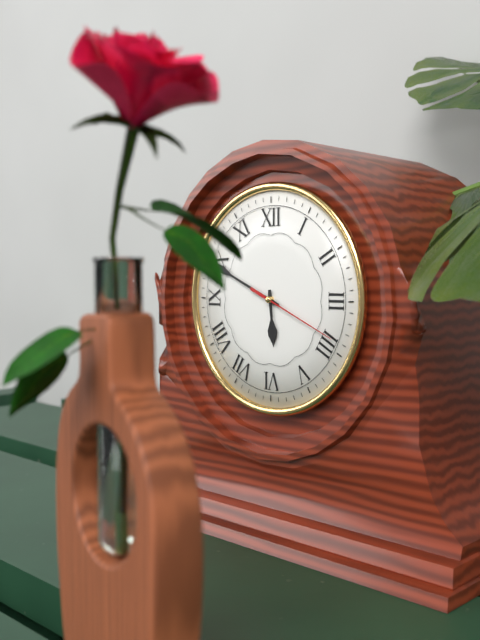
h=5 m=49 s=19
